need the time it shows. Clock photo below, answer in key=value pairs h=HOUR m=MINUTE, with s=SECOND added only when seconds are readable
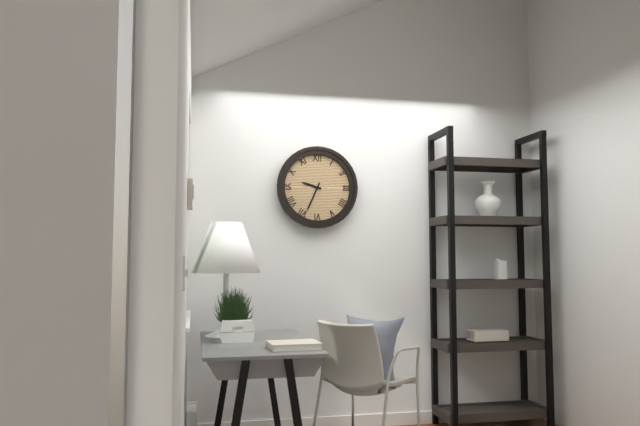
h=9 m=34
